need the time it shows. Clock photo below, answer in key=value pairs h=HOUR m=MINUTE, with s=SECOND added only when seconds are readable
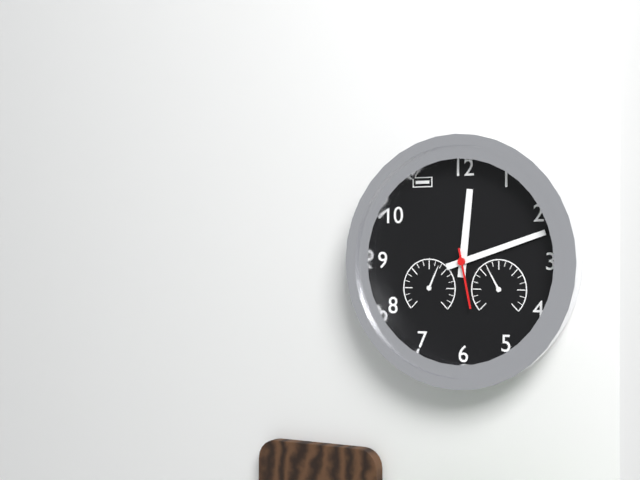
h=12 m=12 s=28
